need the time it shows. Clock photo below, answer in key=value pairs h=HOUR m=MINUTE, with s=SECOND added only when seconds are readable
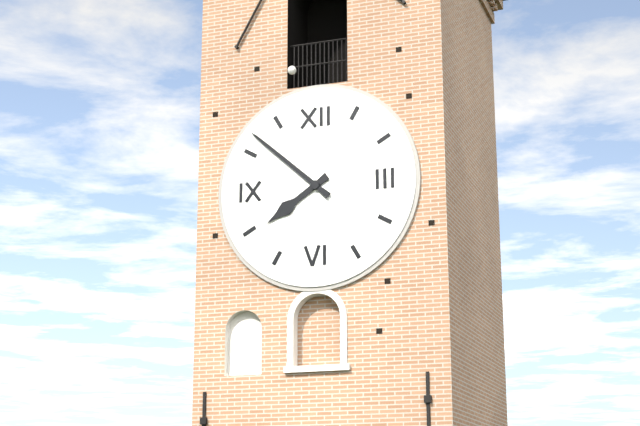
h=7 m=52
